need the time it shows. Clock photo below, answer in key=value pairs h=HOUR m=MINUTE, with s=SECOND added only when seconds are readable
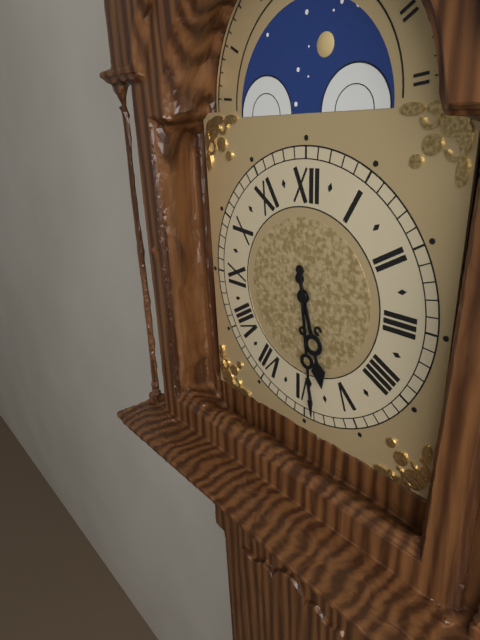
h=5 m=29
